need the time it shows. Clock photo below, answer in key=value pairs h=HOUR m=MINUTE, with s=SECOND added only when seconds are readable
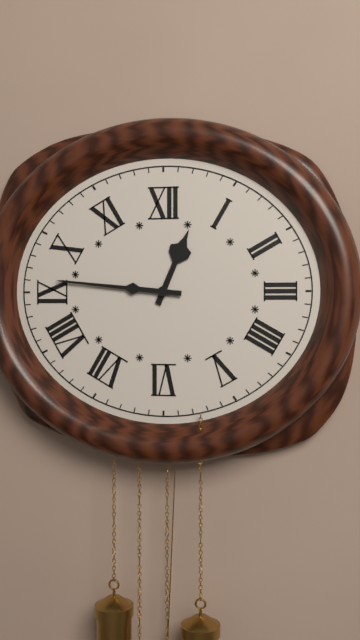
h=12 m=46
